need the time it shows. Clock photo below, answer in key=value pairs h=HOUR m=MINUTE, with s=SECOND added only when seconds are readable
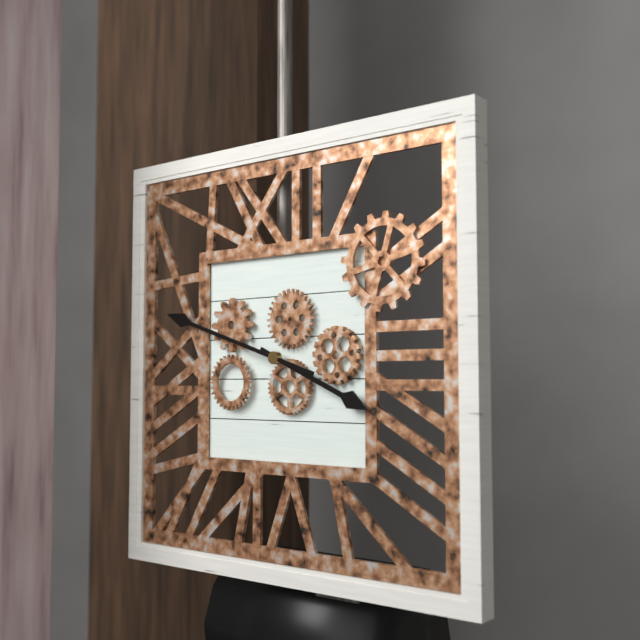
h=3 m=48
